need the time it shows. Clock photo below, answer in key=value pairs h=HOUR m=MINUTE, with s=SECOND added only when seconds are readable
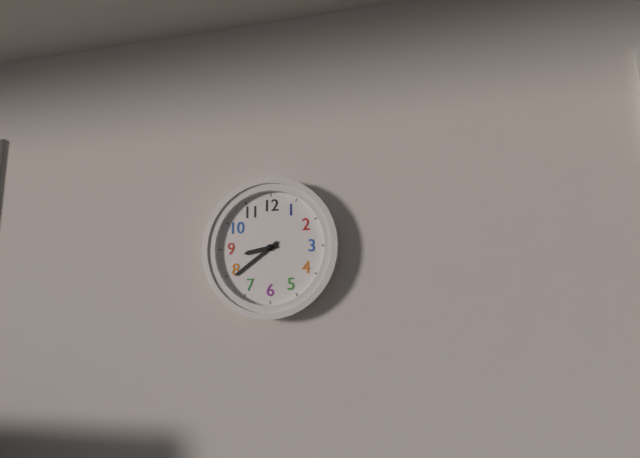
h=8 m=39
